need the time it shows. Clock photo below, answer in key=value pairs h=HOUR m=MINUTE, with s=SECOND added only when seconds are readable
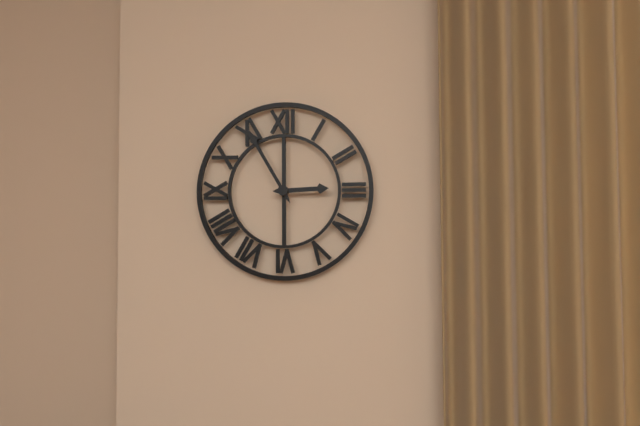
h=2 m=55
